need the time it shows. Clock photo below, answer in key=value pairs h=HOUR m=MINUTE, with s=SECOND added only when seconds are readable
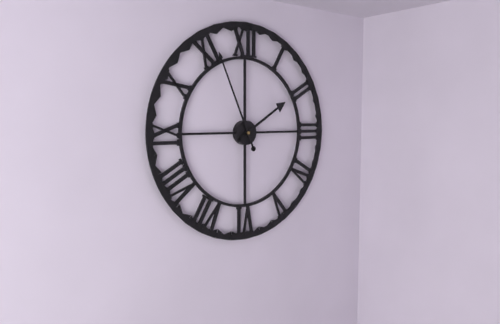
h=1 m=56
